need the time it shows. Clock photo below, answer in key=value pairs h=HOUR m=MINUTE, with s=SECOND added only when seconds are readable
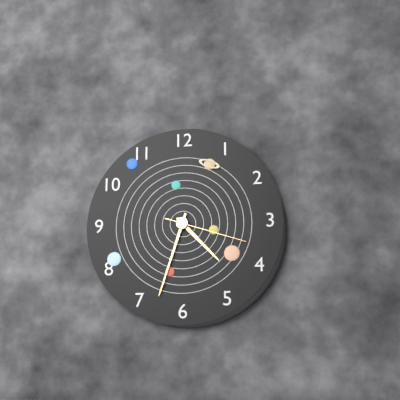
h=4 m=33 s=18
